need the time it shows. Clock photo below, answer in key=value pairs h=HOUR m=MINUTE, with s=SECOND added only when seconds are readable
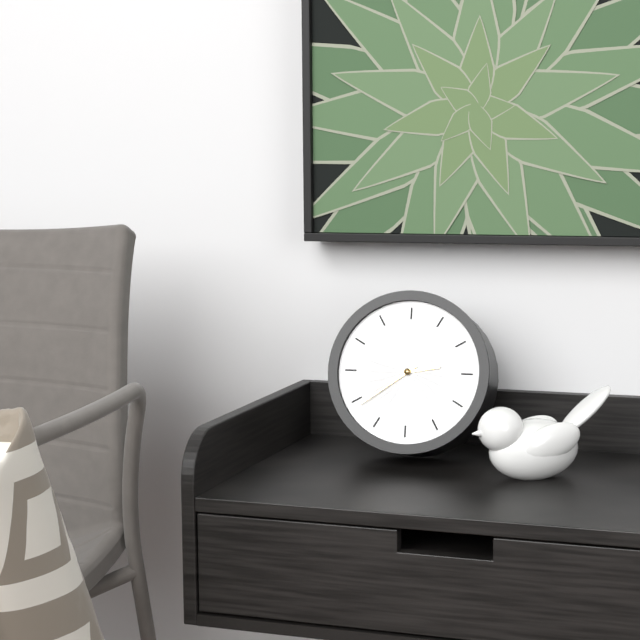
h=2 m=39
